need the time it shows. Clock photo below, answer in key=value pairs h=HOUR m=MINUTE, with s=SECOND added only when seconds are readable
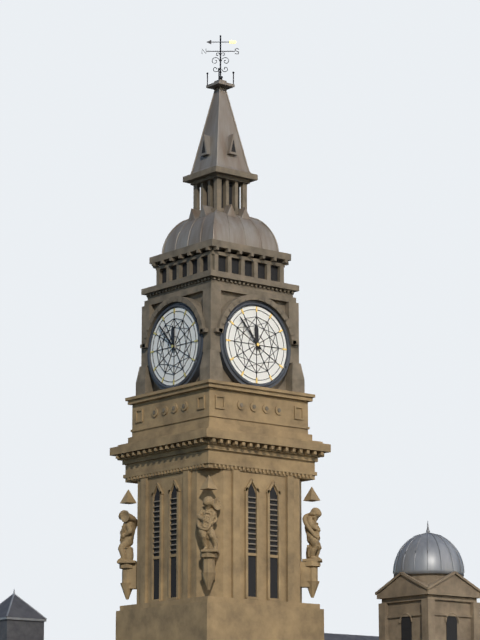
h=11 m=53
